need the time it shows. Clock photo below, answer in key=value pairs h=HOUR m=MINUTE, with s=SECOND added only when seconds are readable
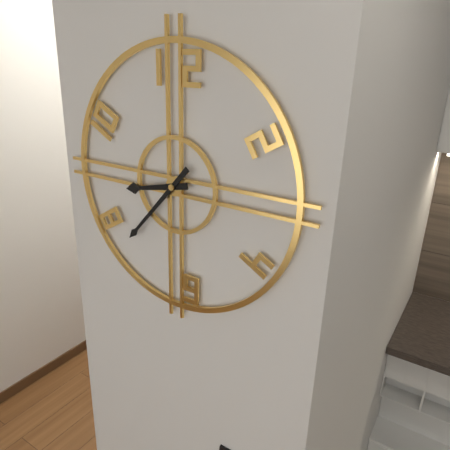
h=8 m=37
